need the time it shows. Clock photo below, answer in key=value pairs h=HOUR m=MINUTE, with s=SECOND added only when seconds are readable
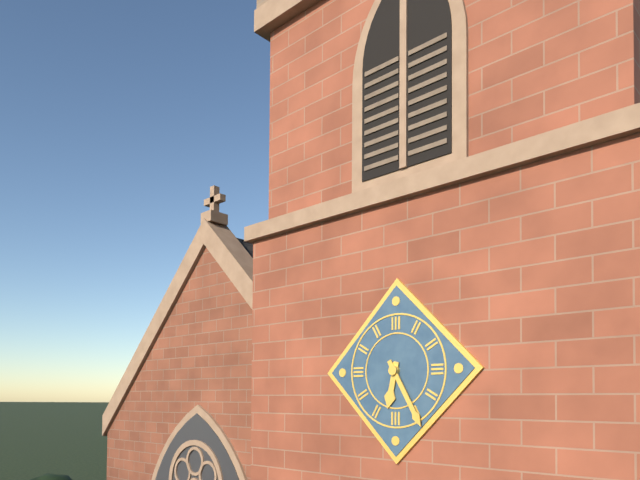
h=6 m=25
